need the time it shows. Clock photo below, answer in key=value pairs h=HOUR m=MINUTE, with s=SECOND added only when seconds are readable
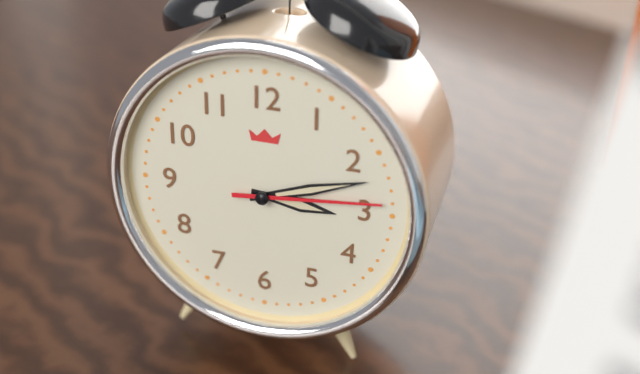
h=3 m=12 s=14
